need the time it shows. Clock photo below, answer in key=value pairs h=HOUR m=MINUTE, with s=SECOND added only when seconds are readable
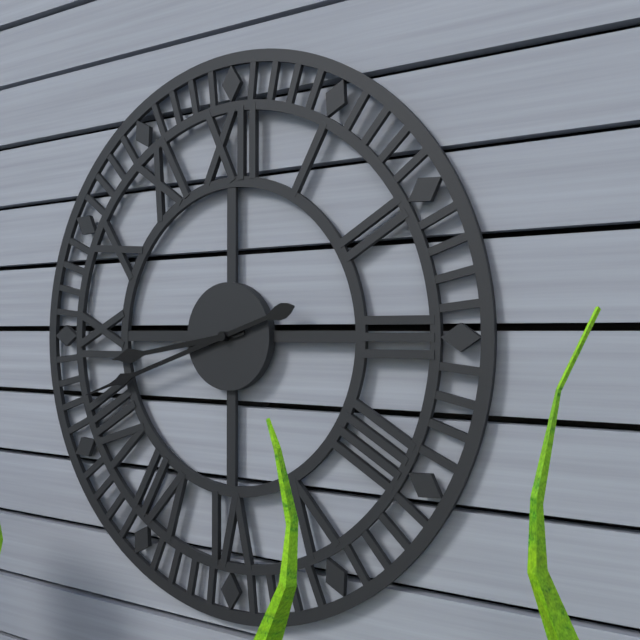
h=8 m=42
